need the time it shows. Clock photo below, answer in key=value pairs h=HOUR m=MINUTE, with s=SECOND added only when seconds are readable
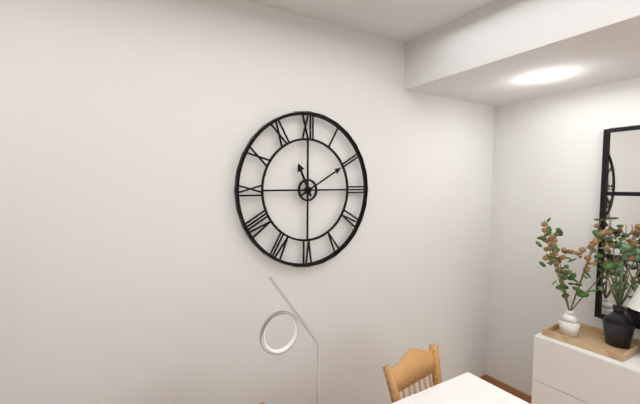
h=11 m=10
